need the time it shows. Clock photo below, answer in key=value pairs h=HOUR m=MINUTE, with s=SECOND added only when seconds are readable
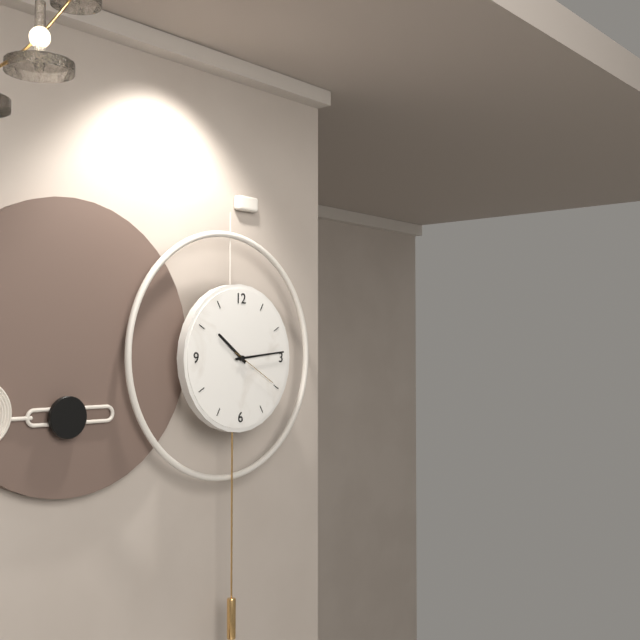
h=10 m=14
